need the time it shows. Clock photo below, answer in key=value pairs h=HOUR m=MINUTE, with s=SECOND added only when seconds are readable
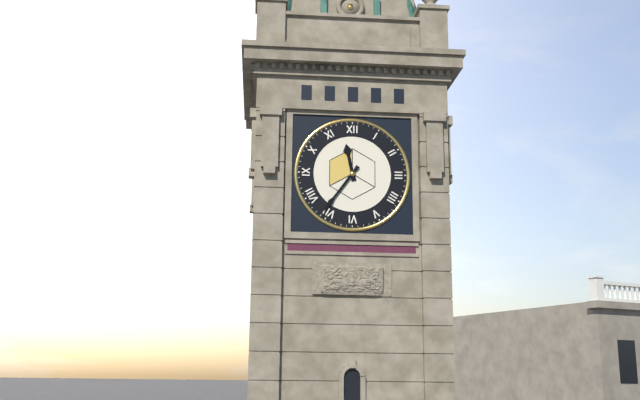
h=11 m=36
